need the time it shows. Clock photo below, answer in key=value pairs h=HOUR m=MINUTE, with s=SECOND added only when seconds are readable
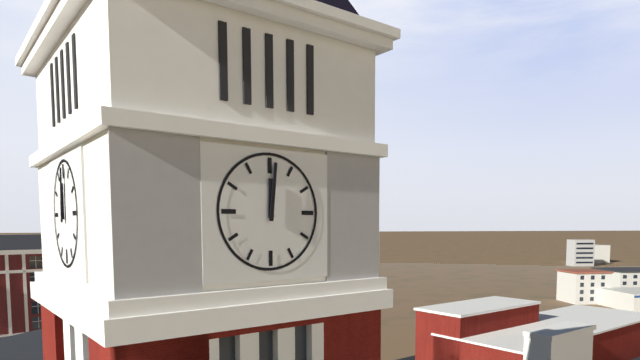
h=12 m=1
